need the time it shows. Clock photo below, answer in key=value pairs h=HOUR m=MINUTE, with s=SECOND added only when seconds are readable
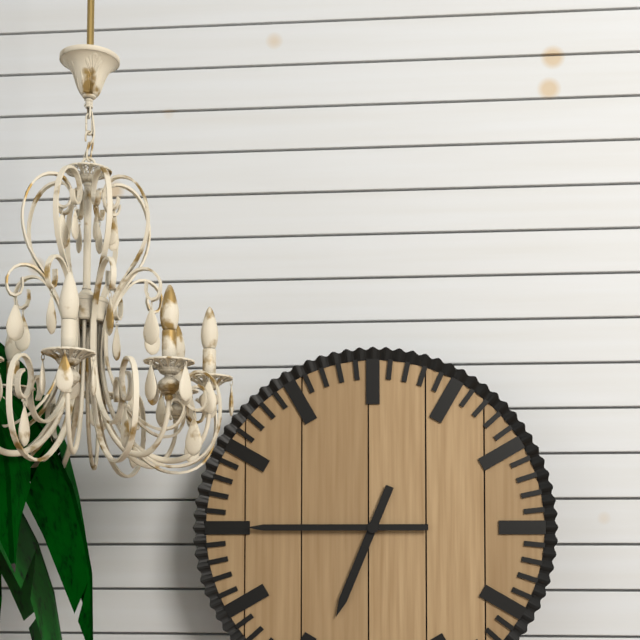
h=6 m=45
